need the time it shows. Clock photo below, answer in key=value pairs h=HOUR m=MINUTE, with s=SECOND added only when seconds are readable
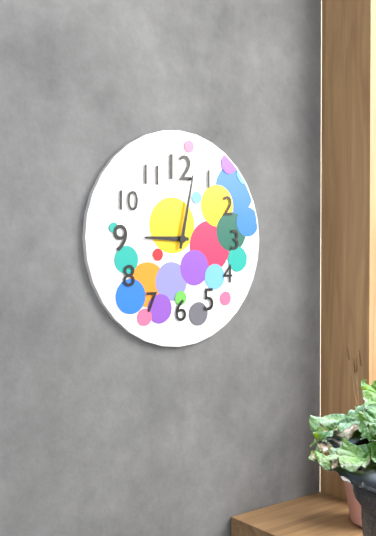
h=9 m=2
